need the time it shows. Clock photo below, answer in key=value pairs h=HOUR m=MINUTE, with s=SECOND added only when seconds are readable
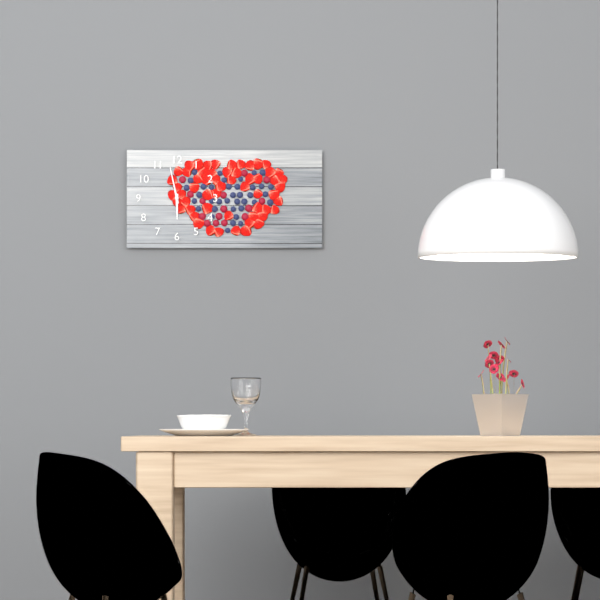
h=5 m=58
